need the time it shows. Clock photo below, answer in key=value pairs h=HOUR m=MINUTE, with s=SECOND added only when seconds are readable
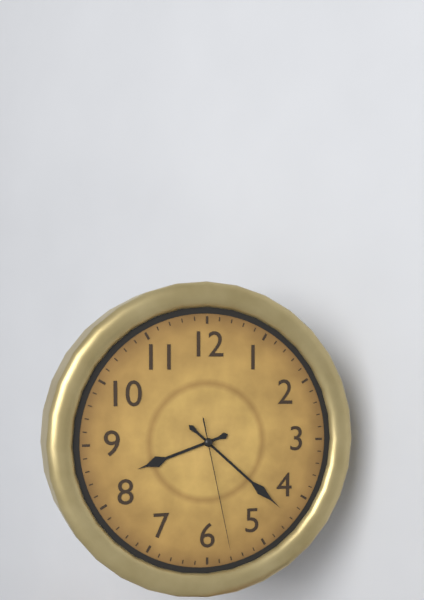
h=8 m=22 s=28
